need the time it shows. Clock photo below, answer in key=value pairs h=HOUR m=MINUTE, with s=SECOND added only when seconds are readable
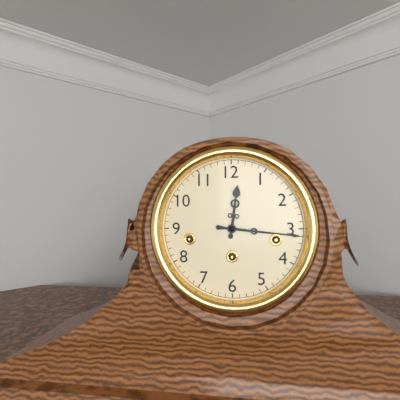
h=12 m=16
